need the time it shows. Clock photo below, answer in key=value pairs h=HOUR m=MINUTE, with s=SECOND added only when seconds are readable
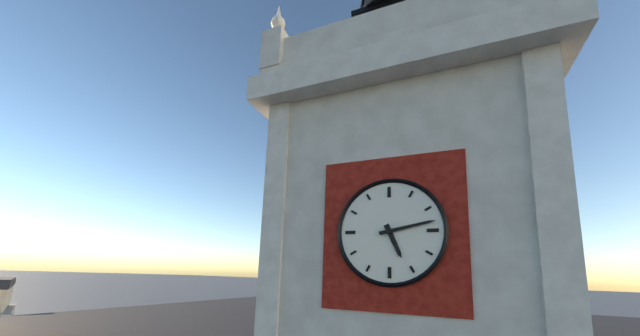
h=5 m=13
